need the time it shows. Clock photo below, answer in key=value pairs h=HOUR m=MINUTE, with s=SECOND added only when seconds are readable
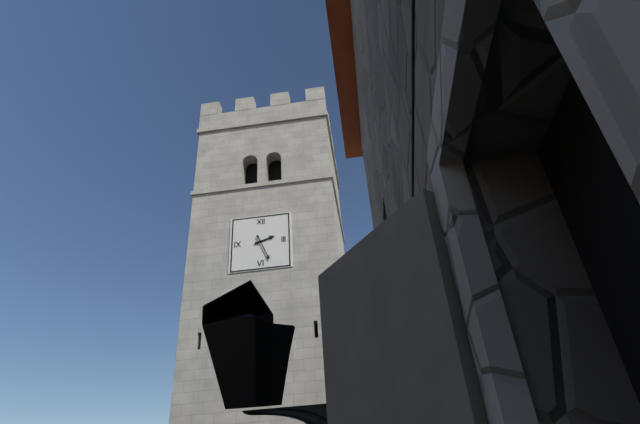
h=2 m=26
